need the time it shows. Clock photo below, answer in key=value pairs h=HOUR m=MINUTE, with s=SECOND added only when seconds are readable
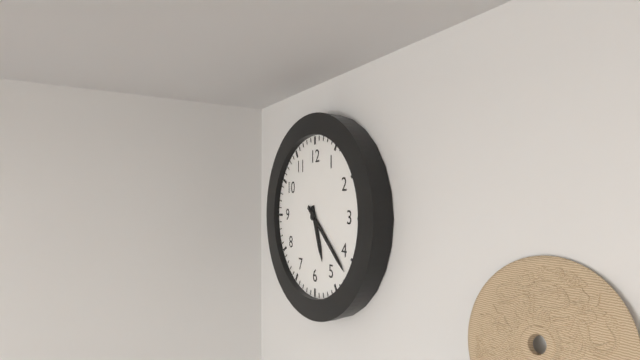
h=5 m=22
